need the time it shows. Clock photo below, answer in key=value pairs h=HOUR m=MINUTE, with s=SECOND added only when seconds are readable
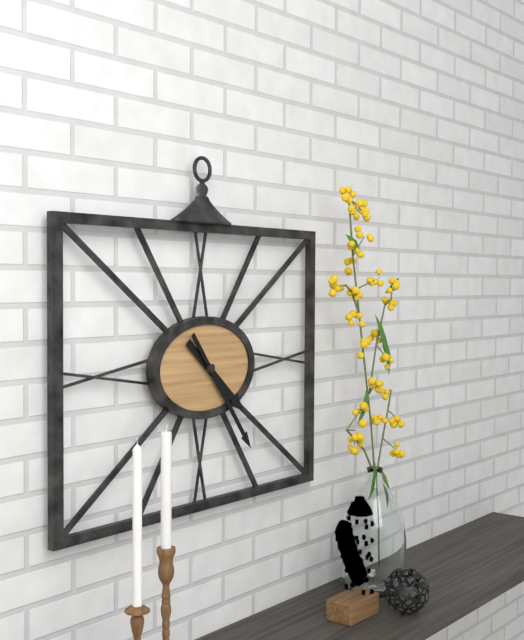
h=4 m=24
